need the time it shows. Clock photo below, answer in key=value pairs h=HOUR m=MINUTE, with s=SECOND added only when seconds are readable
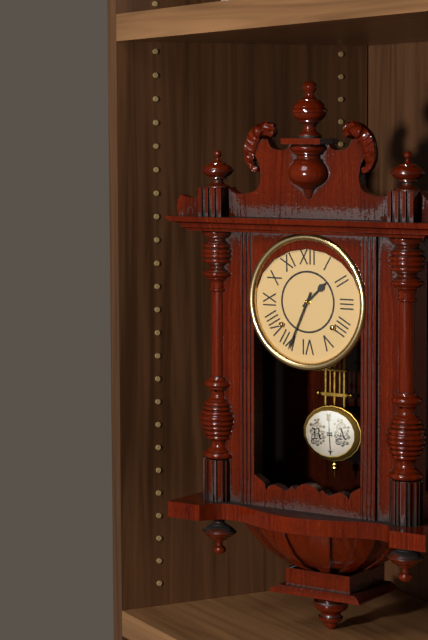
h=1 m=34
